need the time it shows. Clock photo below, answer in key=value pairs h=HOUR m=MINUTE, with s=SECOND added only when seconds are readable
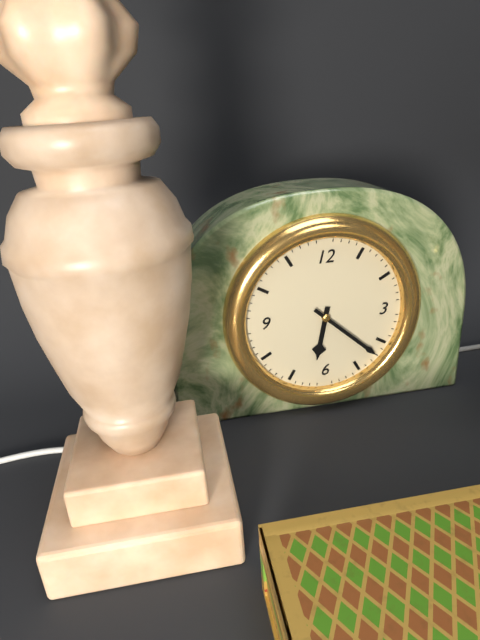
h=6 m=22
